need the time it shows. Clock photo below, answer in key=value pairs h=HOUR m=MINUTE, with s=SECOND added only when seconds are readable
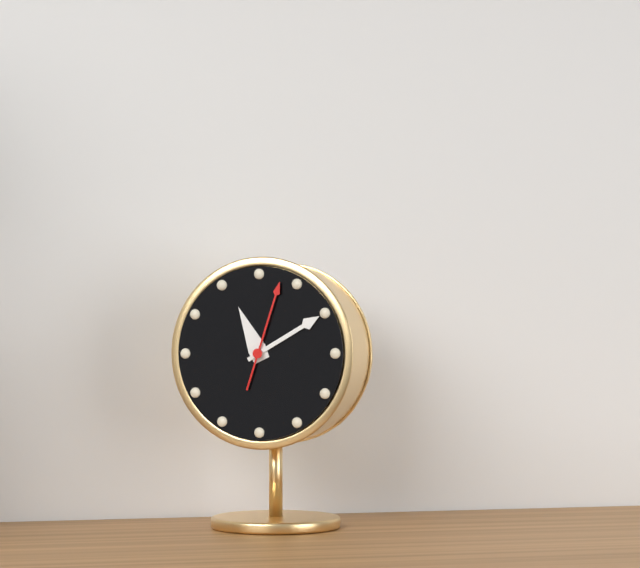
h=11 m=10 s=3
